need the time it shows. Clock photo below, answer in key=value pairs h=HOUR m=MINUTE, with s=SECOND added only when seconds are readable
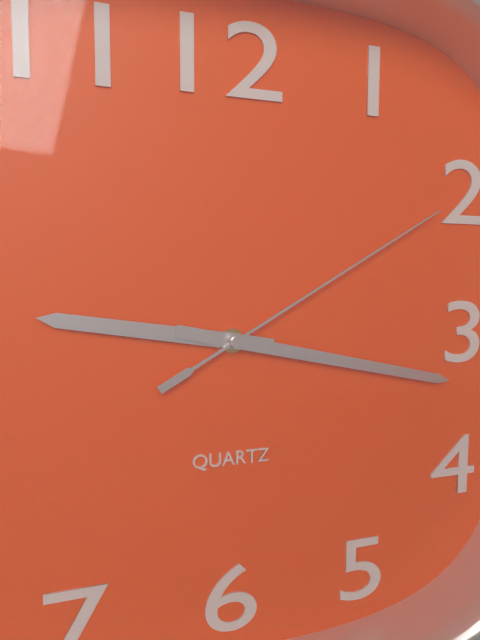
h=9 m=17 s=10
